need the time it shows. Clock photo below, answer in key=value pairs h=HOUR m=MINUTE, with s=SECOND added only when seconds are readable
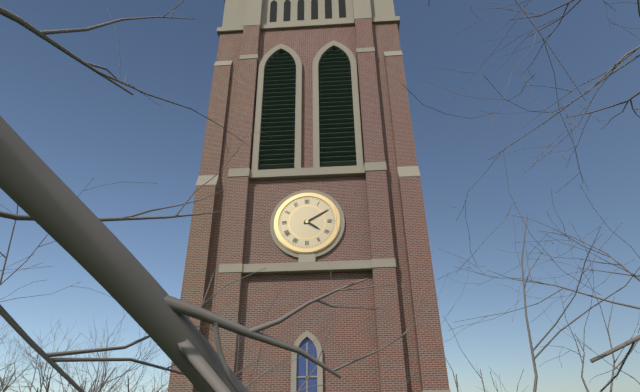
h=4 m=10
